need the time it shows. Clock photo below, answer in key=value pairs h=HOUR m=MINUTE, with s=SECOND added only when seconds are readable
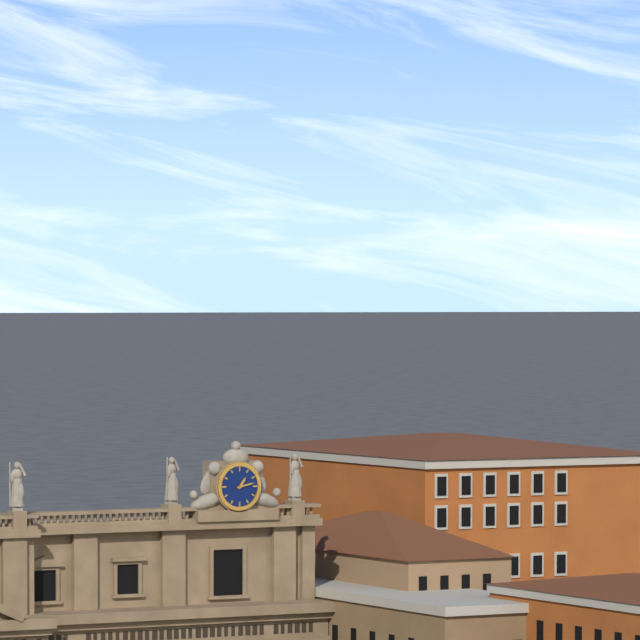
h=1 m=13
